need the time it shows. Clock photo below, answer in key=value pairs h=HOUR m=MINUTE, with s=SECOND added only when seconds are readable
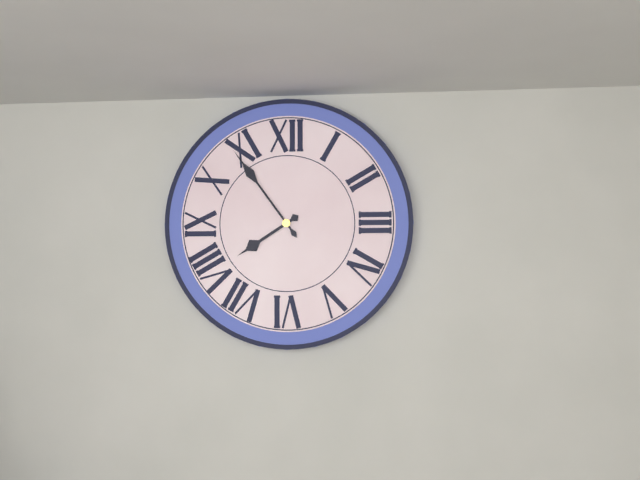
h=7 m=54
